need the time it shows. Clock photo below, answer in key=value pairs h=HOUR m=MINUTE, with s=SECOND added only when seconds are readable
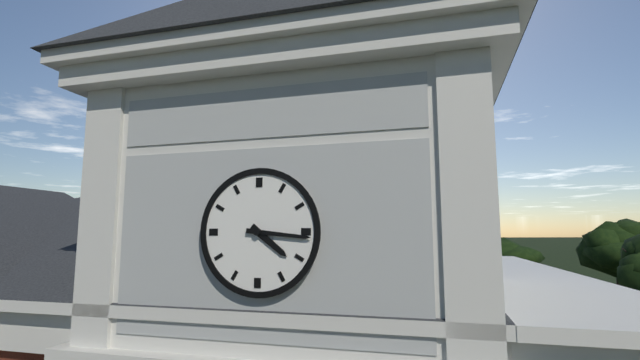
h=4 m=16
